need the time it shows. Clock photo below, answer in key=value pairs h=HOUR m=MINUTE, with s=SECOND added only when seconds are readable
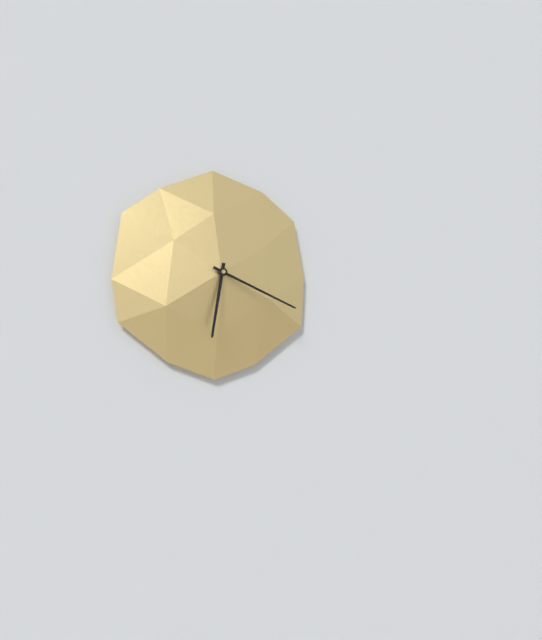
h=6 m=19
